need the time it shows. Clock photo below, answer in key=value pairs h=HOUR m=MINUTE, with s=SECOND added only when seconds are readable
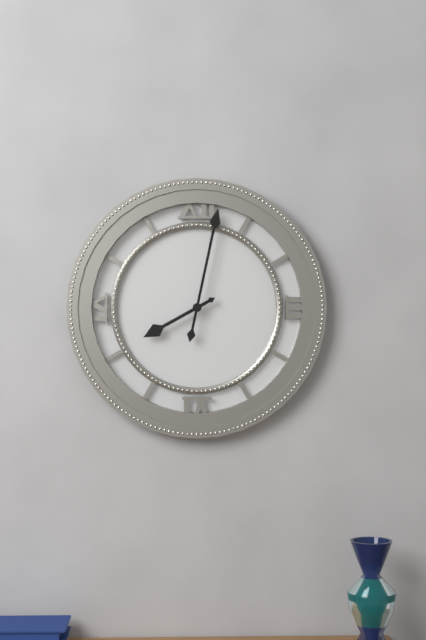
h=8 m=2
